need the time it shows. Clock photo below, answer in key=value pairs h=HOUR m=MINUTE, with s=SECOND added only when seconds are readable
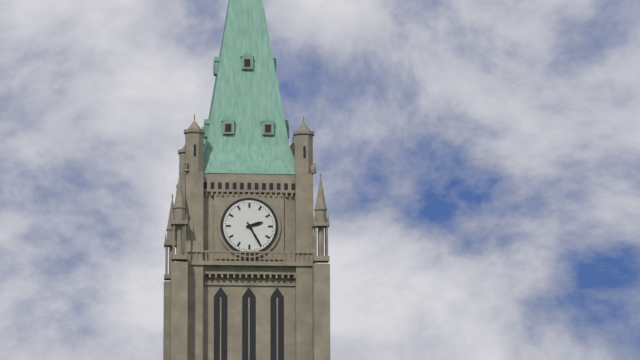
h=2 m=25
